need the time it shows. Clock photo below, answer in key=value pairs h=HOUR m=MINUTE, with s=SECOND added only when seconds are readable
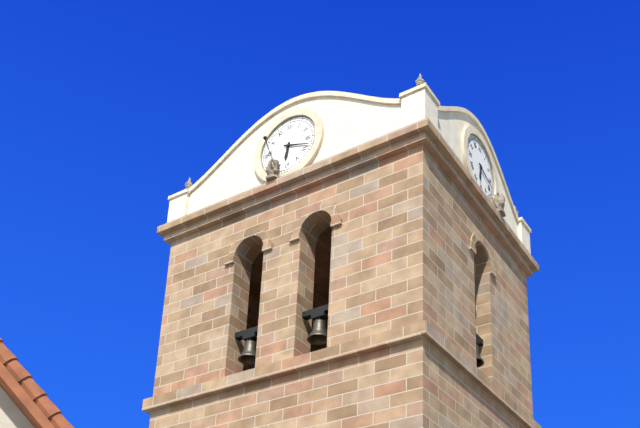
h=6 m=18
